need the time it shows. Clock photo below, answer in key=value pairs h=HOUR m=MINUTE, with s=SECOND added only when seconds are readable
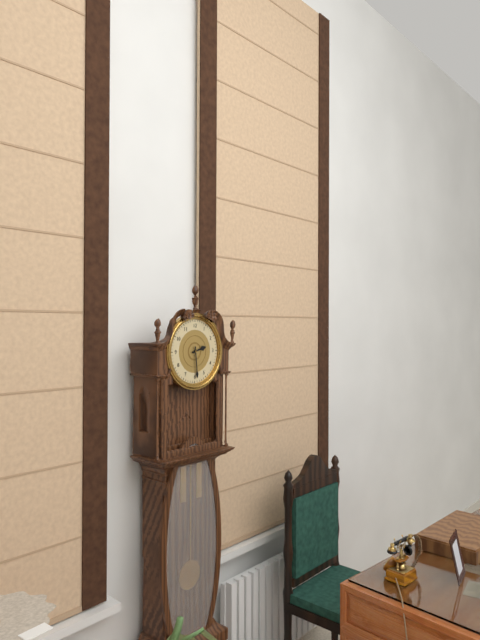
h=2 m=29
